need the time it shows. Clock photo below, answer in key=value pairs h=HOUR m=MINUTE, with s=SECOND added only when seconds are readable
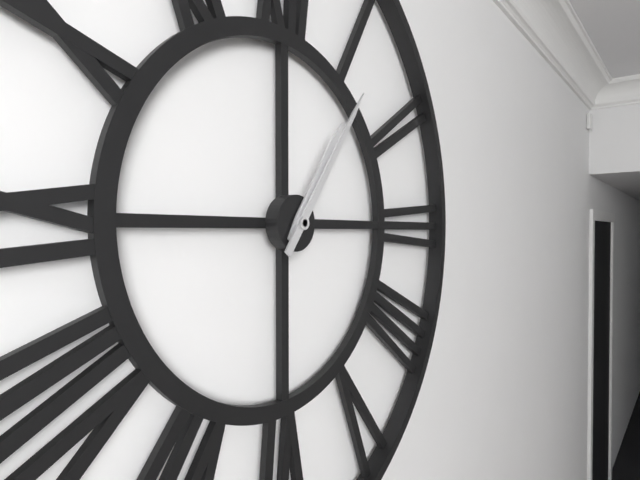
h=1 m=6
